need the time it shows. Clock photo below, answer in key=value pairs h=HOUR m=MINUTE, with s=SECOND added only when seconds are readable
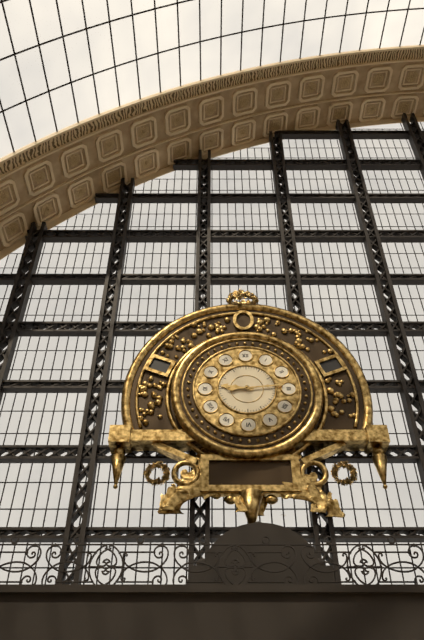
h=9 m=14
